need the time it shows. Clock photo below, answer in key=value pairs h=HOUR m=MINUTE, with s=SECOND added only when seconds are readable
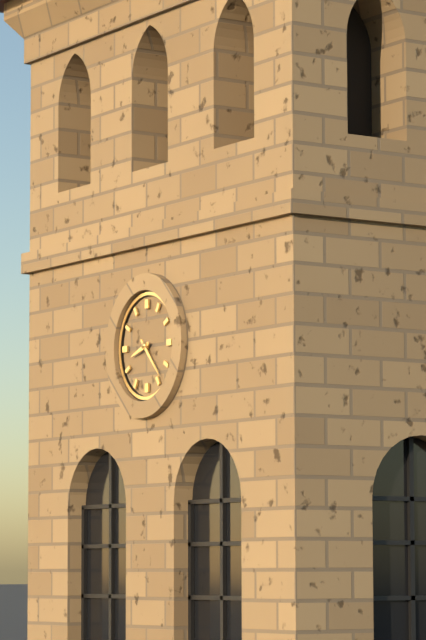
h=8 m=23
